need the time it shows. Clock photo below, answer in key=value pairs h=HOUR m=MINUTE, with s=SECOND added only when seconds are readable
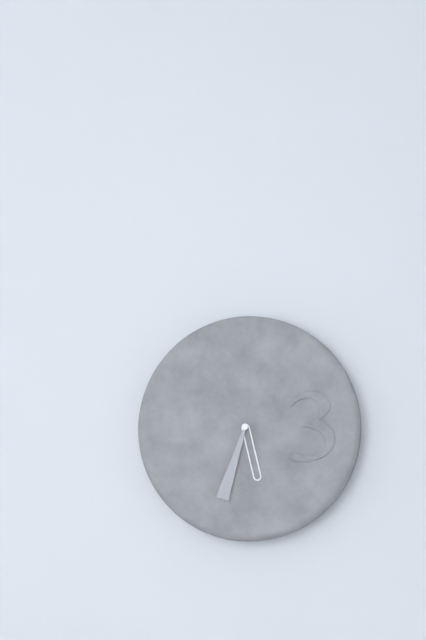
h=5 m=33
